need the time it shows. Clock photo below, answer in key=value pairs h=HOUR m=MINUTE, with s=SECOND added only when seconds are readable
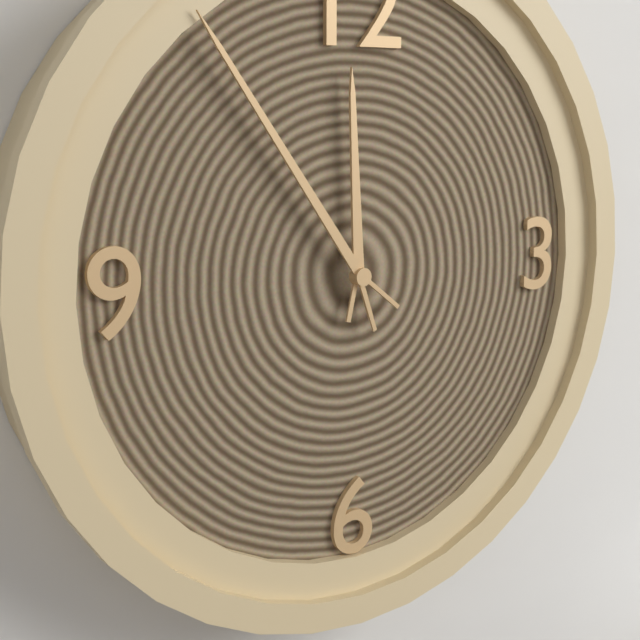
h=11 m=54
